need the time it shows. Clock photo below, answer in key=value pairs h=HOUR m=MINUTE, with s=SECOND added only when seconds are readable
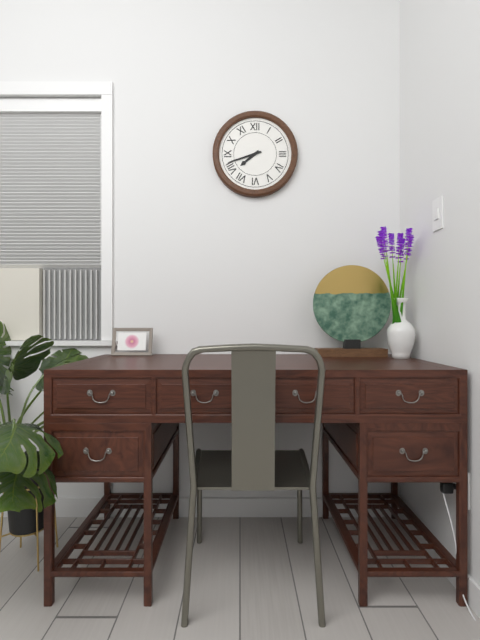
h=7 m=42
